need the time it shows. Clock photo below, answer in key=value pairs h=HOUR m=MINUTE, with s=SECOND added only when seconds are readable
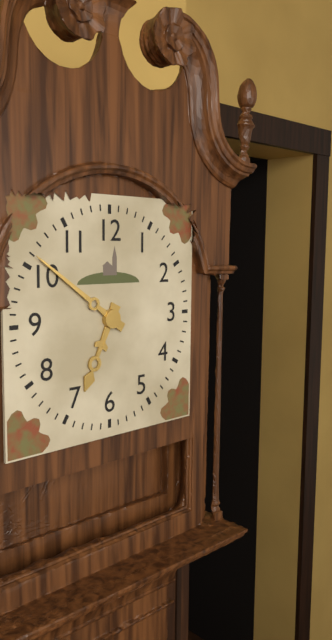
h=6 m=51
